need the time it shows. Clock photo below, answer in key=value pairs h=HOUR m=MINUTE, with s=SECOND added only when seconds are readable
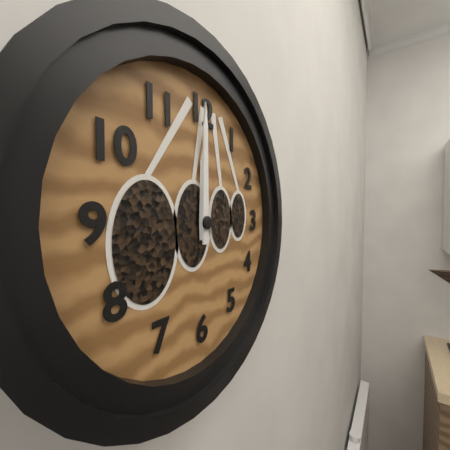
h=12 m=0
